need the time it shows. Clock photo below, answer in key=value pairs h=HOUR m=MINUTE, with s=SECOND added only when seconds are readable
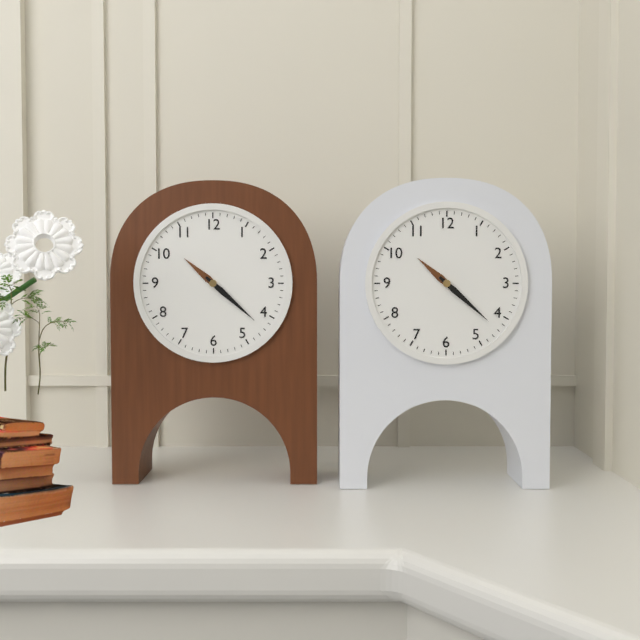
h=10 m=22
